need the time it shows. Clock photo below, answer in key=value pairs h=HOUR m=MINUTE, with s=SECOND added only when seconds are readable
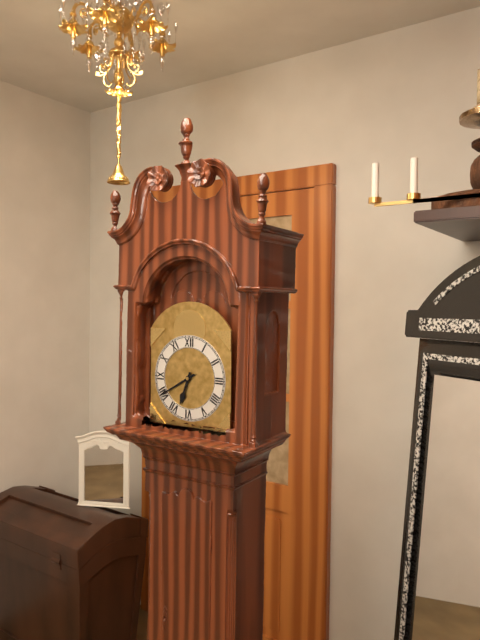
h=6 m=40
